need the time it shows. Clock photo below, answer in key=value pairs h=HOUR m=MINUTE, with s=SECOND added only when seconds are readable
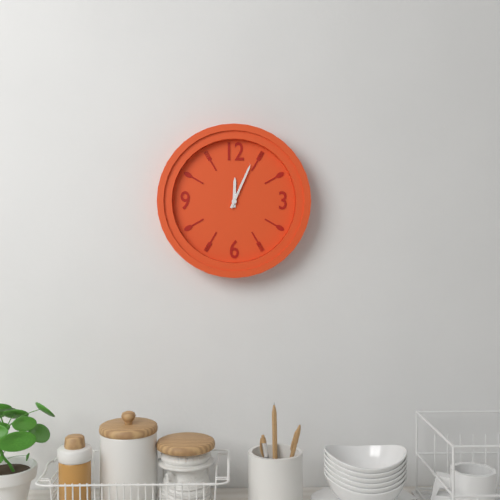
h=12 m=4
